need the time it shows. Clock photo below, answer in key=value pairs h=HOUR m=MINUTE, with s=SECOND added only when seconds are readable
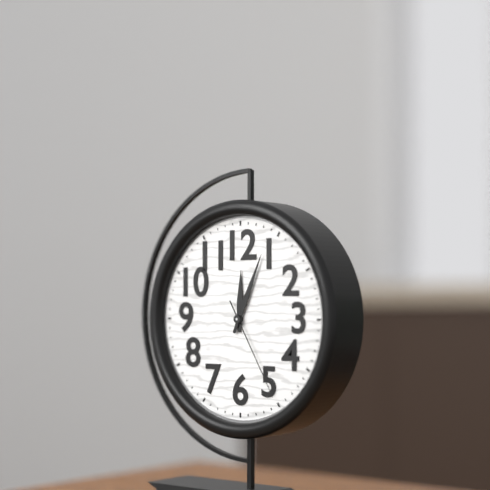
h=12 m=4 s=25
